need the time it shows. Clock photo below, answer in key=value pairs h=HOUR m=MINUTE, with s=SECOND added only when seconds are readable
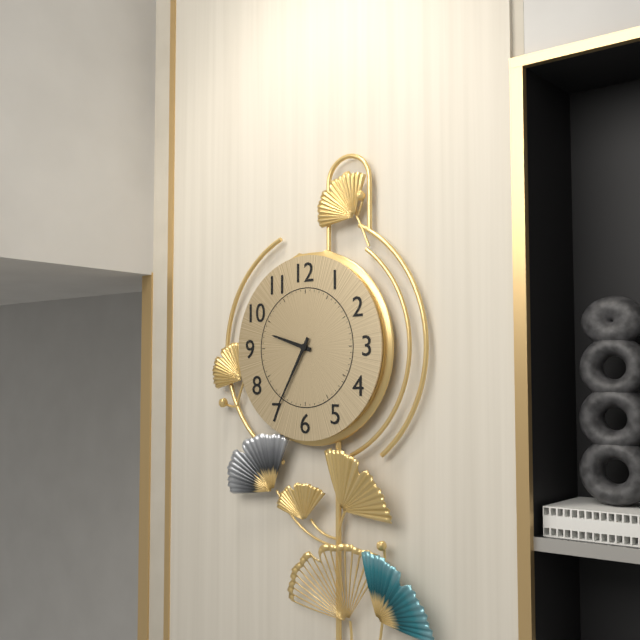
h=9 m=35
